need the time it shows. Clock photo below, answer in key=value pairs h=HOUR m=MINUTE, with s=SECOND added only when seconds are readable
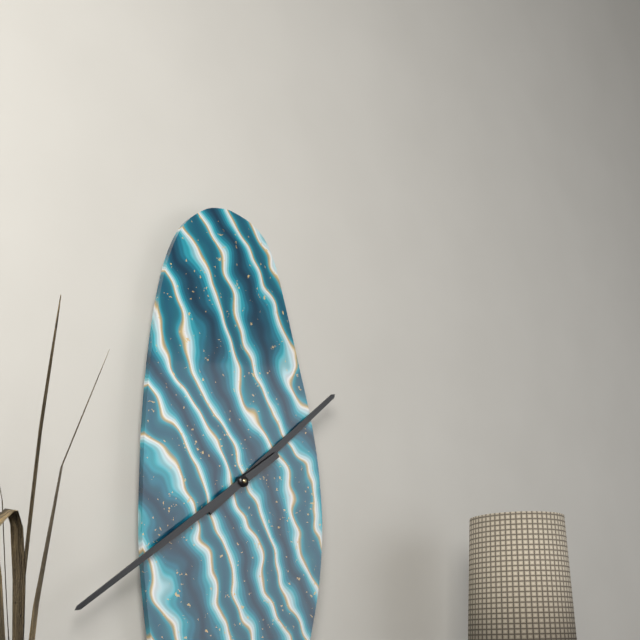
h=1 m=39
